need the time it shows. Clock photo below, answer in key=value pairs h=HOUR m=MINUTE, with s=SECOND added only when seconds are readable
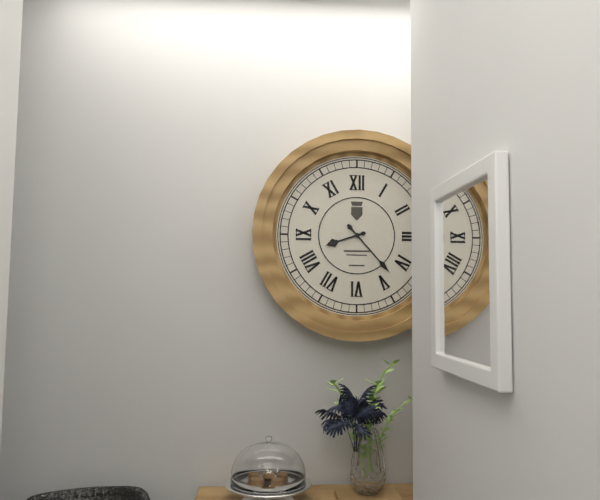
h=8 m=23
